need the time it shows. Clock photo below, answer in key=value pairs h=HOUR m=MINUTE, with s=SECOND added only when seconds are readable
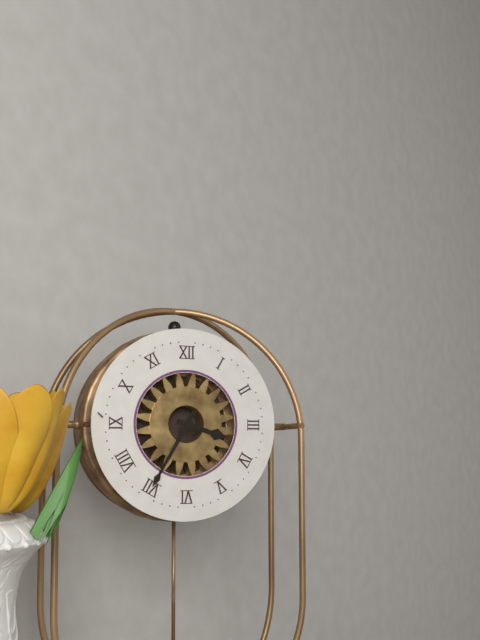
h=3 m=35
